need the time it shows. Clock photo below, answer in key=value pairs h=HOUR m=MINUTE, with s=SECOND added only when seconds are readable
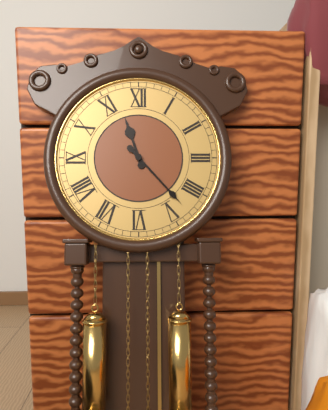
h=11 m=23
